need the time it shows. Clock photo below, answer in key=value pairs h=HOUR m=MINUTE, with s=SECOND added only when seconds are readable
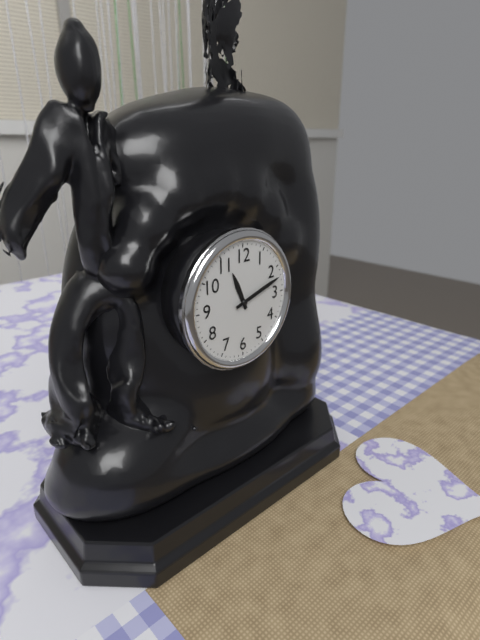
h=11 m=12
